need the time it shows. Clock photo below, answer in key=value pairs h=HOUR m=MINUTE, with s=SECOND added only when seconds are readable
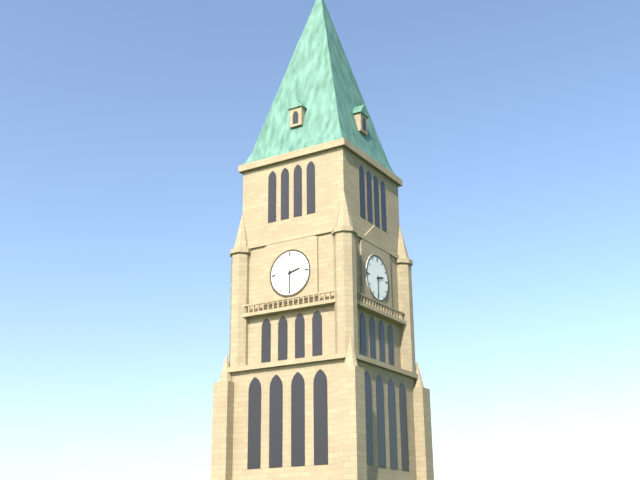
h=2 m=30
